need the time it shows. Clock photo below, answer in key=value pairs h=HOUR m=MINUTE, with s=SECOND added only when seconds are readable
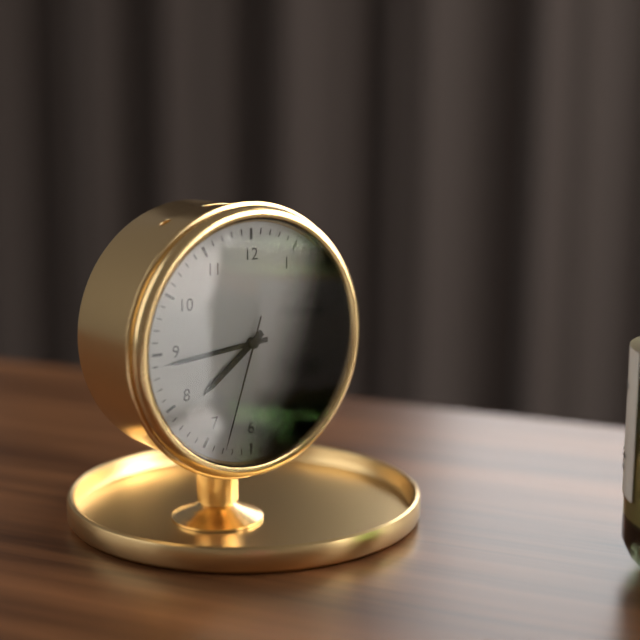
h=7 m=44 s=33
